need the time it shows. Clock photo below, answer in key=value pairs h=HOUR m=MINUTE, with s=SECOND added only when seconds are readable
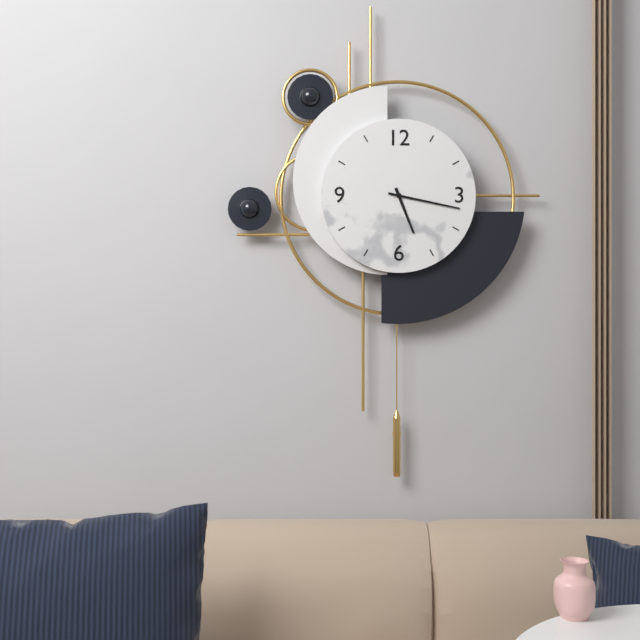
h=5 m=17
